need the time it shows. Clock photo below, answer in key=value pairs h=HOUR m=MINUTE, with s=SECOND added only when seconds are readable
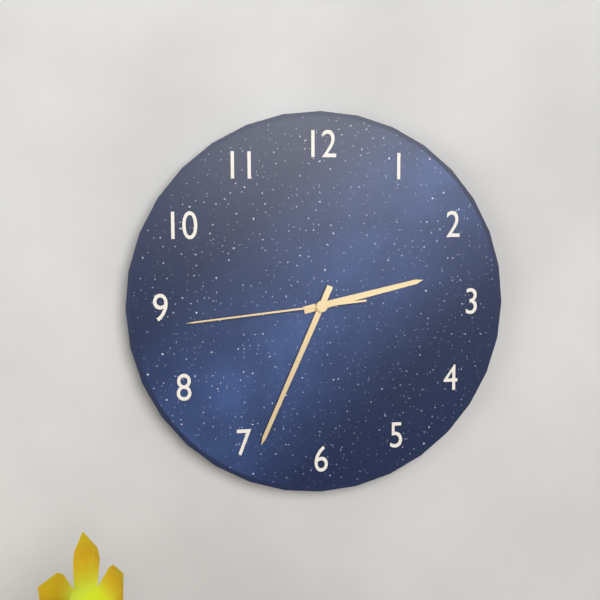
h=2 m=34 s=44
